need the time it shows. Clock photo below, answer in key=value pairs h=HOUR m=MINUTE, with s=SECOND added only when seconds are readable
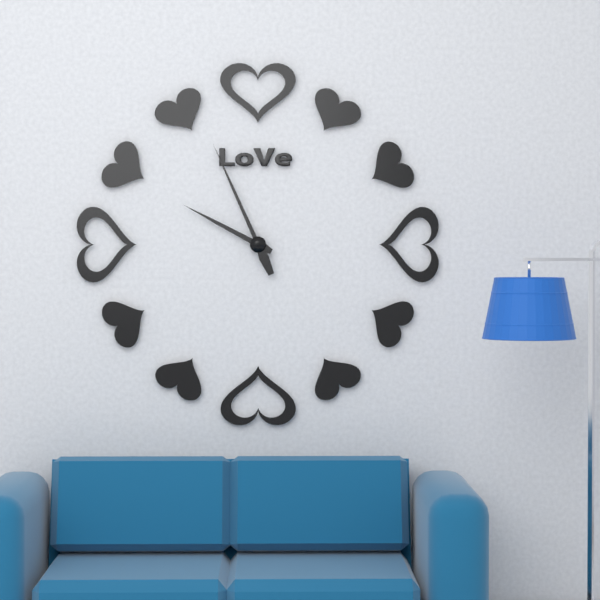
h=9 m=56
